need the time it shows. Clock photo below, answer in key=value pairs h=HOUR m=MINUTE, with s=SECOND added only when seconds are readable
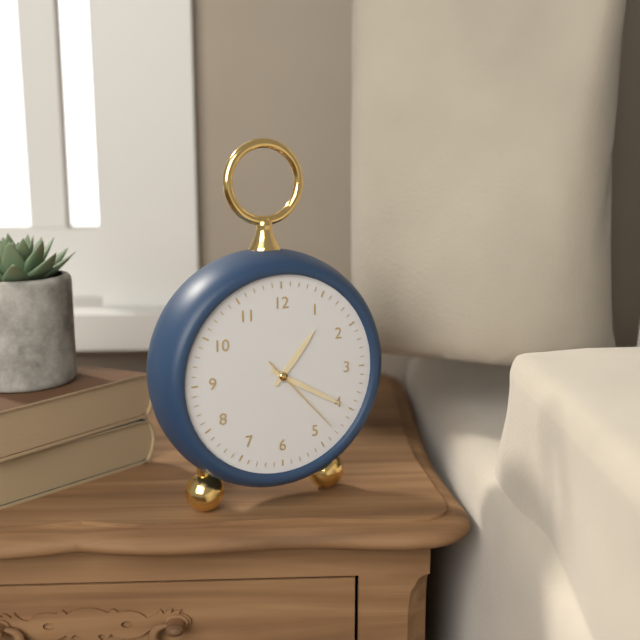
h=1 m=20 s=23
